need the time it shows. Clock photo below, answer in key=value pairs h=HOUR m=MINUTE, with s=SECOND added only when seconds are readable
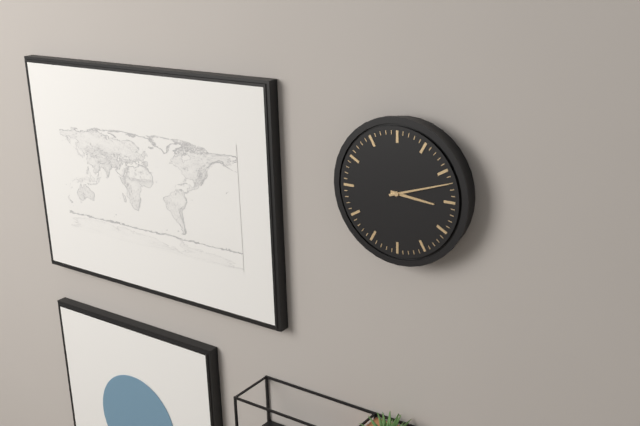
h=3 m=12
